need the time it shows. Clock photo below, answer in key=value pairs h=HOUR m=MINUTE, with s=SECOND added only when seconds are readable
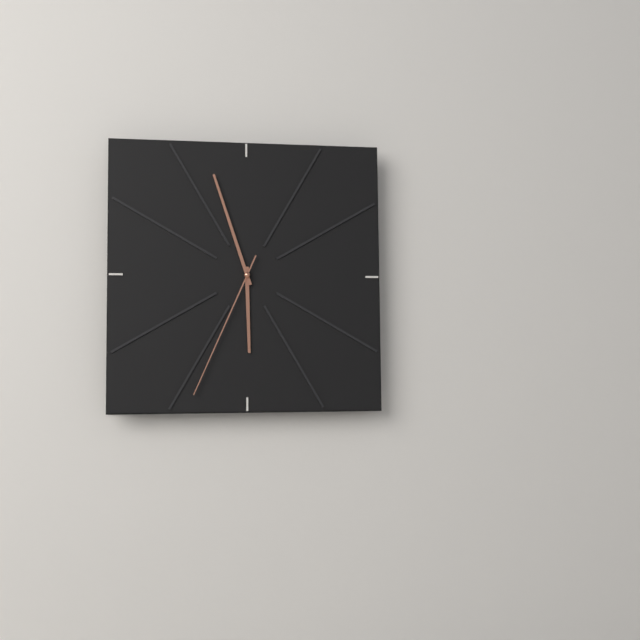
h=5 m=57 s=34
